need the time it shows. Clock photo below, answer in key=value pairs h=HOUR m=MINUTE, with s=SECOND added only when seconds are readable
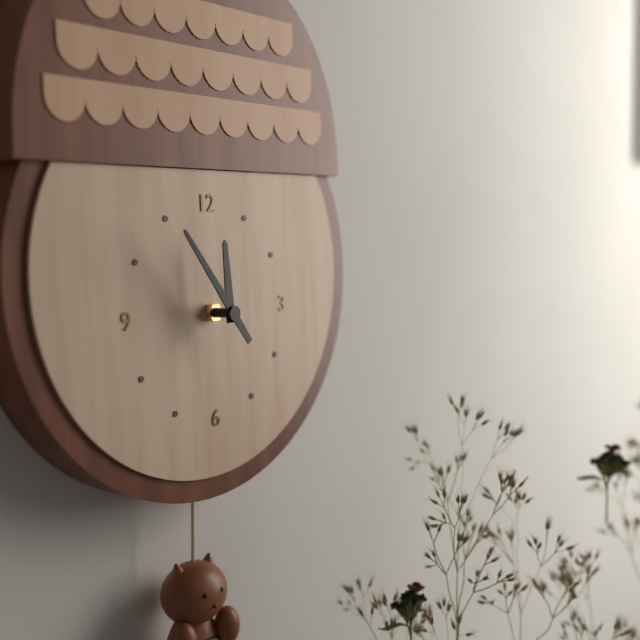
h=11 m=54
